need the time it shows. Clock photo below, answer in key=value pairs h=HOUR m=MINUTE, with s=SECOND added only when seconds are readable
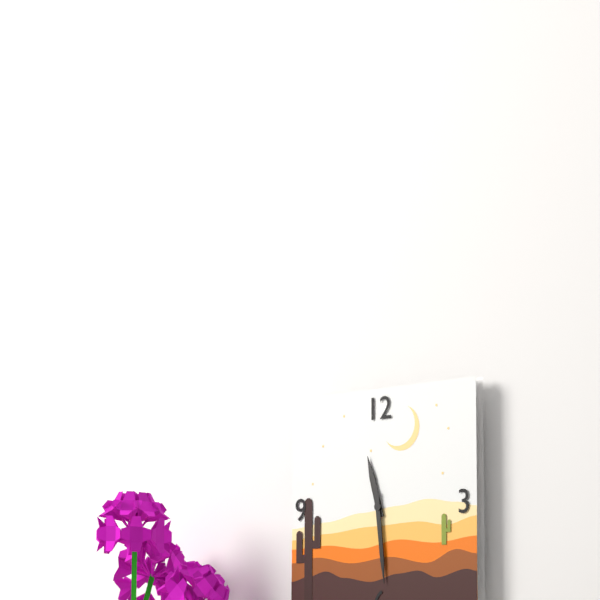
h=11 m=29
